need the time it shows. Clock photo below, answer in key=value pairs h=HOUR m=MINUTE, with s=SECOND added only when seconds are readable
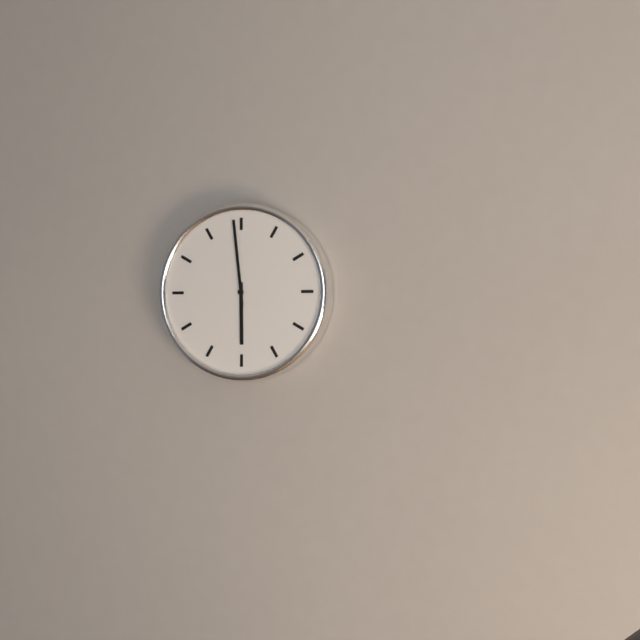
h=5 m=59
